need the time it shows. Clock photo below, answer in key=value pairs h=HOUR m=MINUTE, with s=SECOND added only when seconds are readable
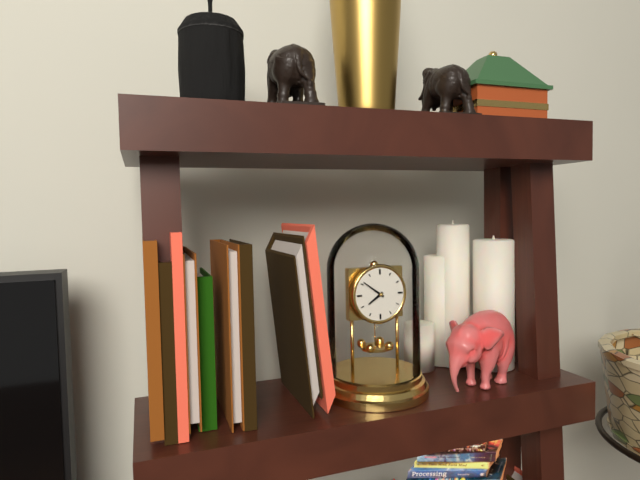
h=7 m=51
